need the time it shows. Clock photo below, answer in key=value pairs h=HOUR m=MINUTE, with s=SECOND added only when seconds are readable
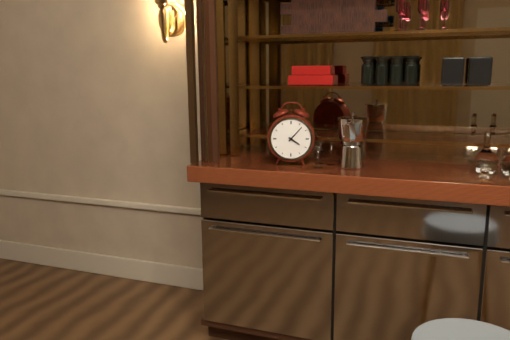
h=4 m=7
